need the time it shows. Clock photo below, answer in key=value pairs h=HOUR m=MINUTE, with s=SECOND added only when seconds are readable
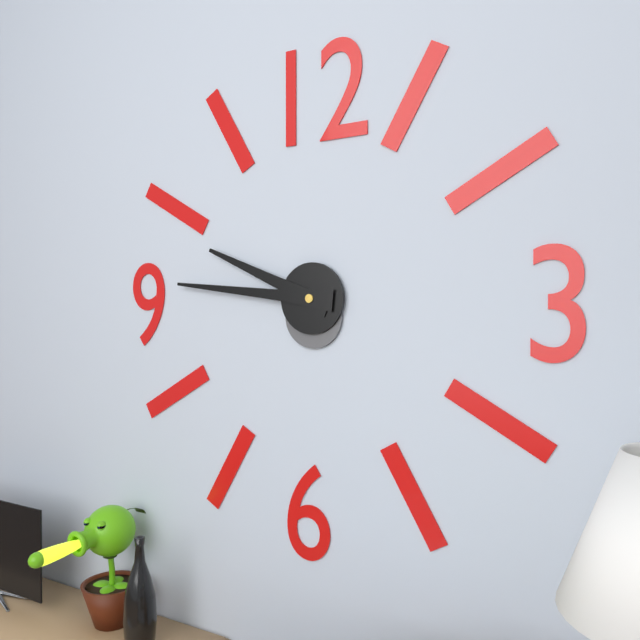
h=9 m=46
